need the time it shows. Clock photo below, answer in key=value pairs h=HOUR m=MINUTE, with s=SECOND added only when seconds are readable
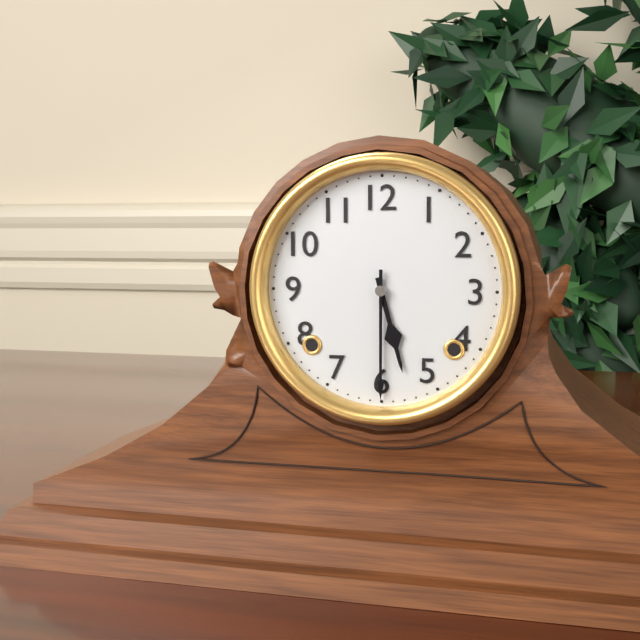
h=5 m=30
